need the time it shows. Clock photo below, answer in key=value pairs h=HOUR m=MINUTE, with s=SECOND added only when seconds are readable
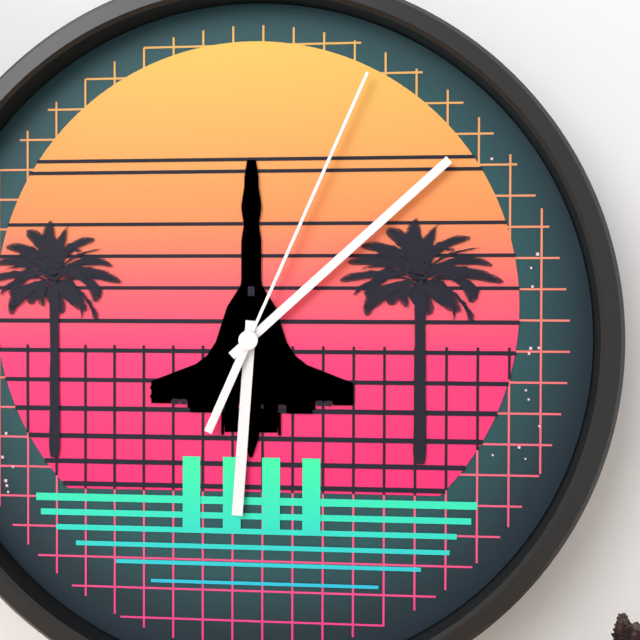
h=6 m=8 s=4
